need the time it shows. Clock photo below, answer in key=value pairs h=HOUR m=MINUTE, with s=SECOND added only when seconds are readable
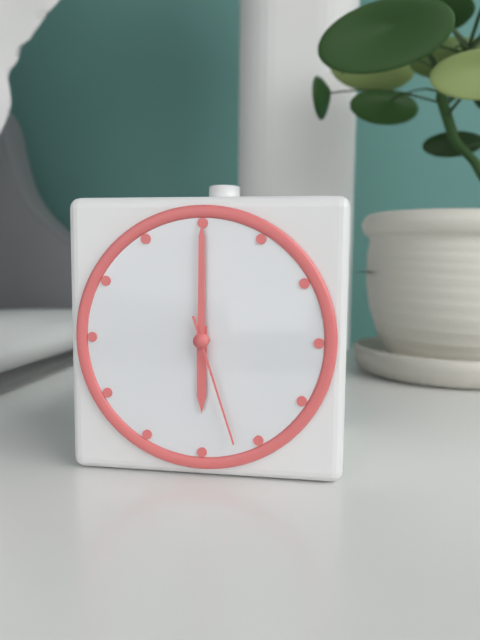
h=6 m=0 s=27
